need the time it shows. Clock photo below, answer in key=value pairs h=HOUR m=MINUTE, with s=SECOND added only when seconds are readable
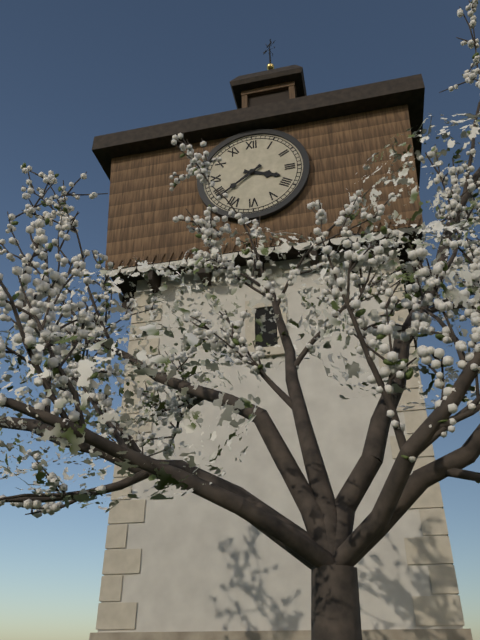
h=3 m=39
